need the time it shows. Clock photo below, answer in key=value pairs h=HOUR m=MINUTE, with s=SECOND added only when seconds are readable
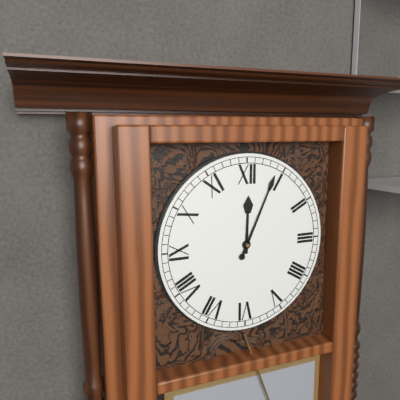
h=12 m=4
